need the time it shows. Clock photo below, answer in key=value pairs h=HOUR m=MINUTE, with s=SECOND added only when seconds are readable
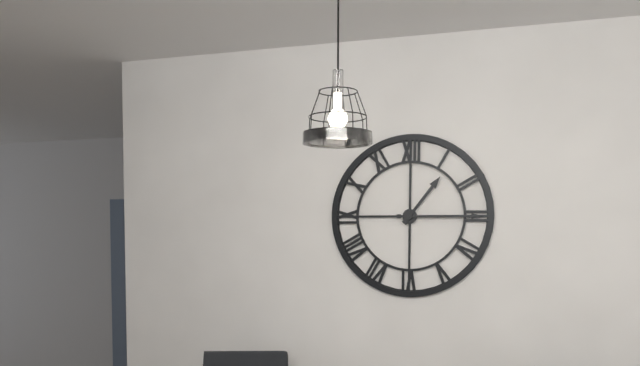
h=1 m=15
